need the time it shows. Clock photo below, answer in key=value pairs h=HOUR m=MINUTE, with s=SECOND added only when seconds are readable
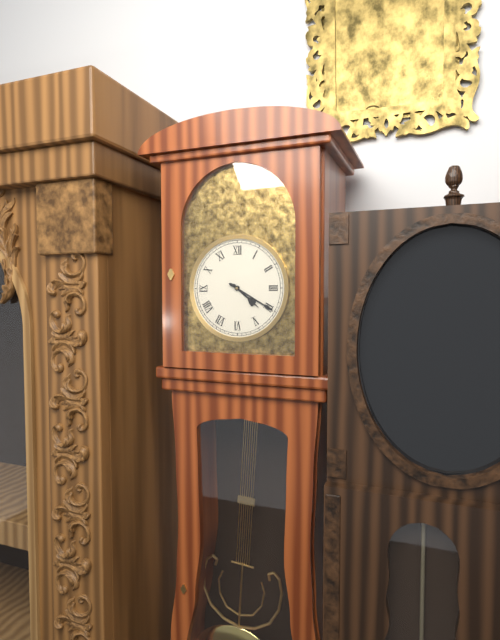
h=4 m=20
